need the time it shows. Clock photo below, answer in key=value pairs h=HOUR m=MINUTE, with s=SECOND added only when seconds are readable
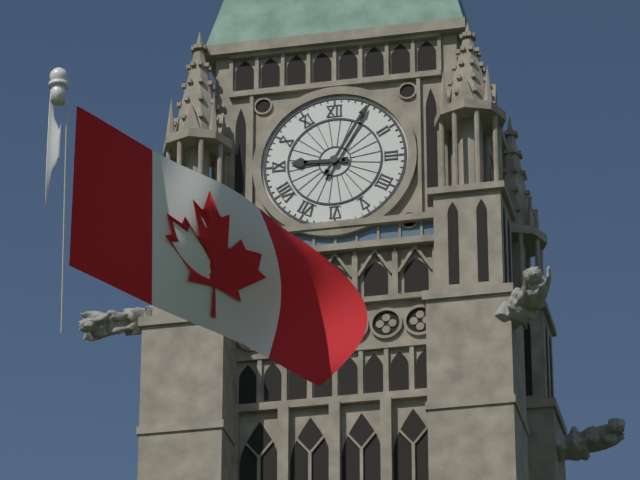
h=9 m=5
